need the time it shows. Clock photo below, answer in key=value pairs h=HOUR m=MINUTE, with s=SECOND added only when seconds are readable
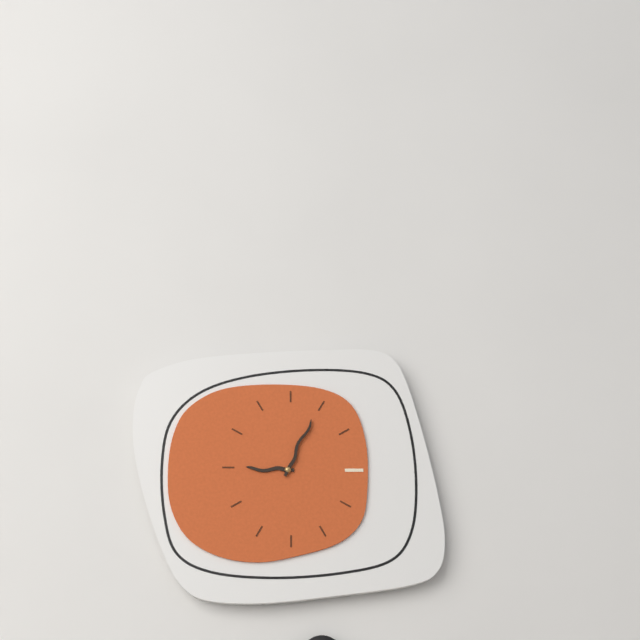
h=9 m=4
